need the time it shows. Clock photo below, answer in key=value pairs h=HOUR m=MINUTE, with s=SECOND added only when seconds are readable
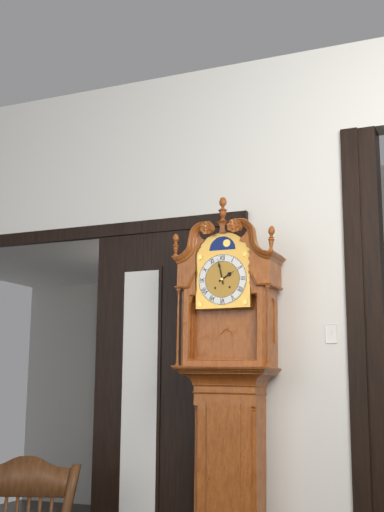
h=1 m=58
